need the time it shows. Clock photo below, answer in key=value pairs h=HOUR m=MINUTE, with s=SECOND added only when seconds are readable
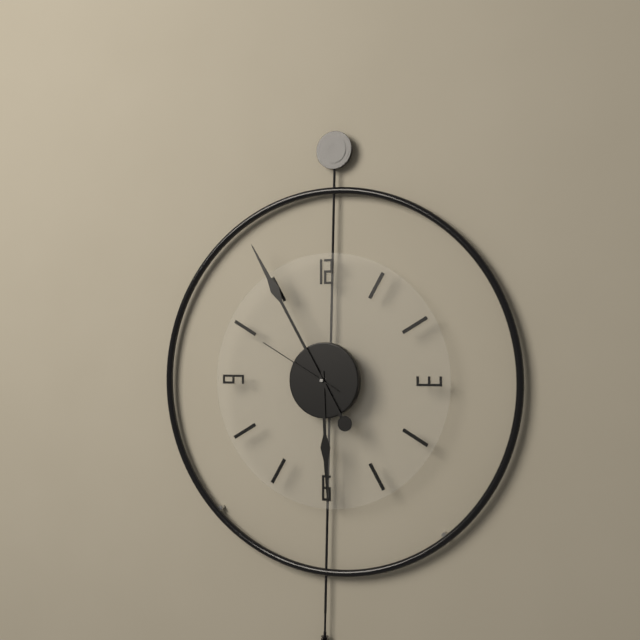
h=5 m=55 s=50
